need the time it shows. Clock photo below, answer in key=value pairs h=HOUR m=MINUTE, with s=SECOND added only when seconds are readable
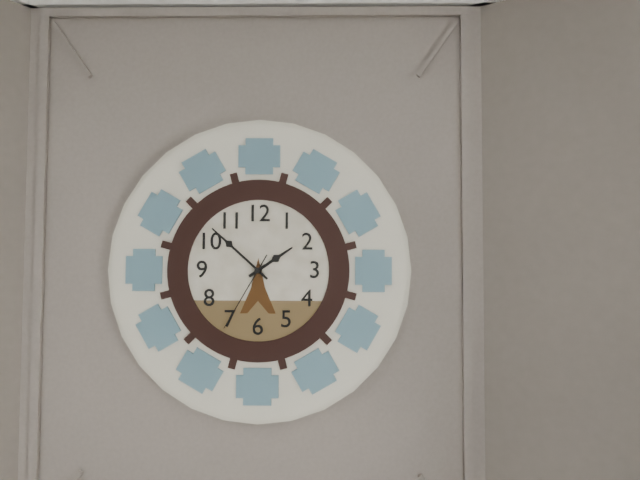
h=1 m=52 s=35
